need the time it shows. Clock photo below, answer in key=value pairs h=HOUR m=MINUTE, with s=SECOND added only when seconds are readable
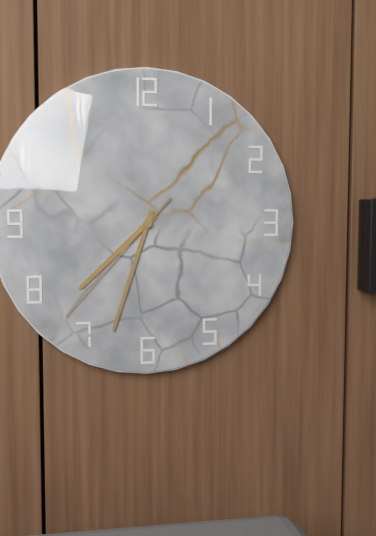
h=7 m=33 s=37
